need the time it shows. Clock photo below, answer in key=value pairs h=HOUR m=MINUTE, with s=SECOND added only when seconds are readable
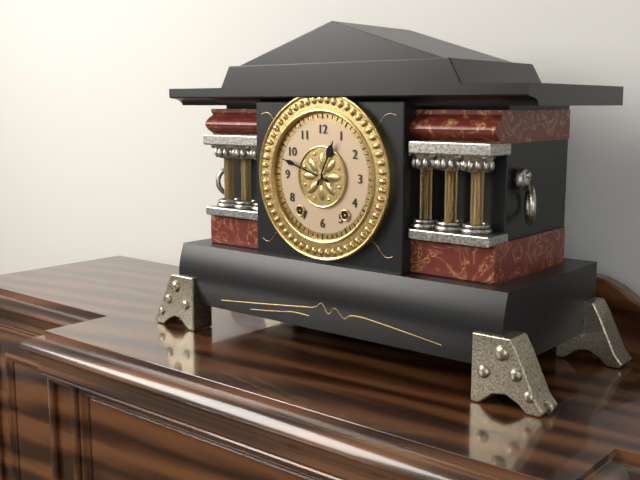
h=12 m=48
